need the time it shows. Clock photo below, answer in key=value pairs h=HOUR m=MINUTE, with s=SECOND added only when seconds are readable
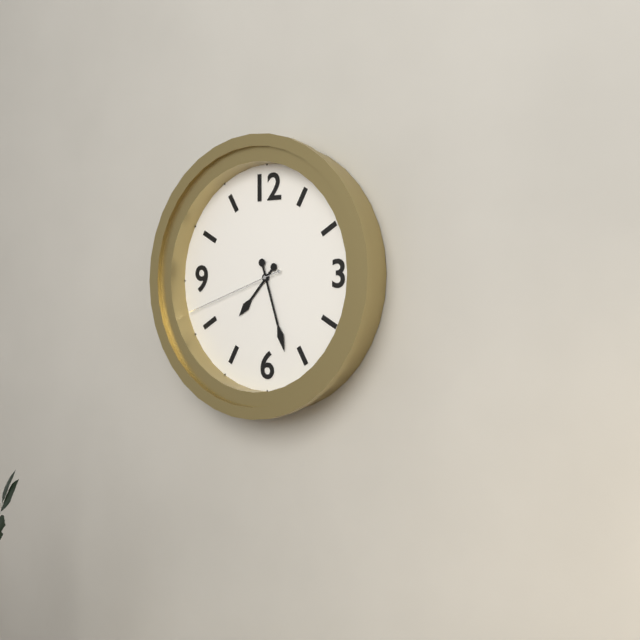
h=7 m=27 s=42
